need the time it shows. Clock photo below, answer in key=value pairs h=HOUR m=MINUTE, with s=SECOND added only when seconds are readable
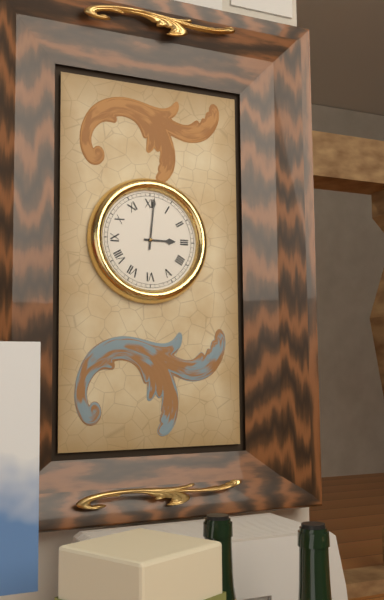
h=3 m=1
